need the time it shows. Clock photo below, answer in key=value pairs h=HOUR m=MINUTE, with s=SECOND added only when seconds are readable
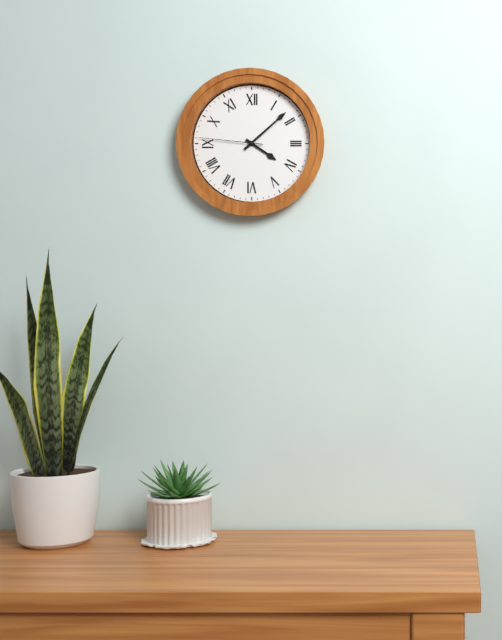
h=4 m=8 s=46
